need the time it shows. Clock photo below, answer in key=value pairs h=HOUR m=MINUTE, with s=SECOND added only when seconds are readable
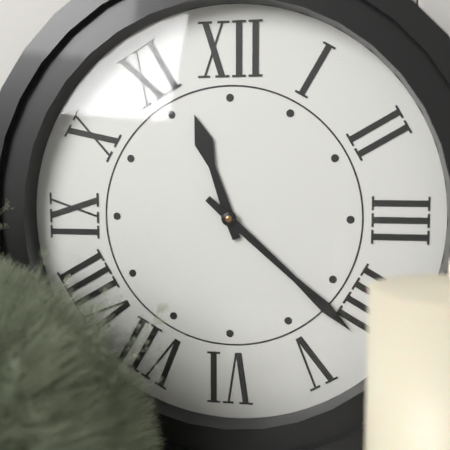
h=11 m=22
